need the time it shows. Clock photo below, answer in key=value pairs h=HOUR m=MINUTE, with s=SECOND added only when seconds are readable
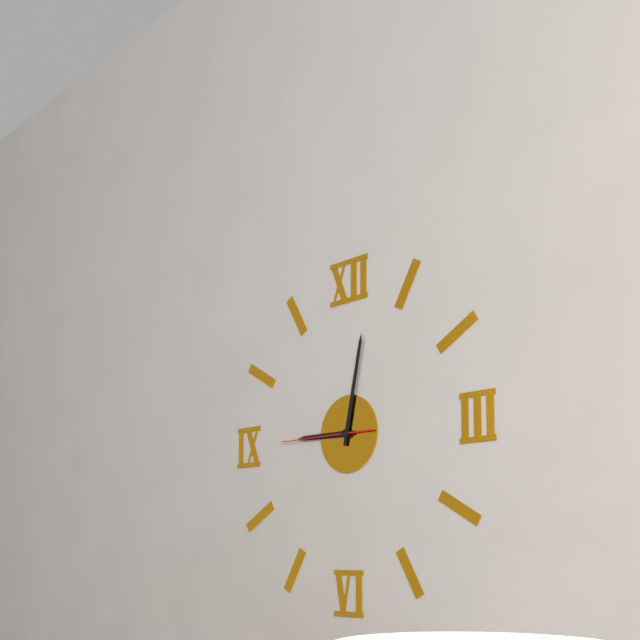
h=9 m=2 s=45
